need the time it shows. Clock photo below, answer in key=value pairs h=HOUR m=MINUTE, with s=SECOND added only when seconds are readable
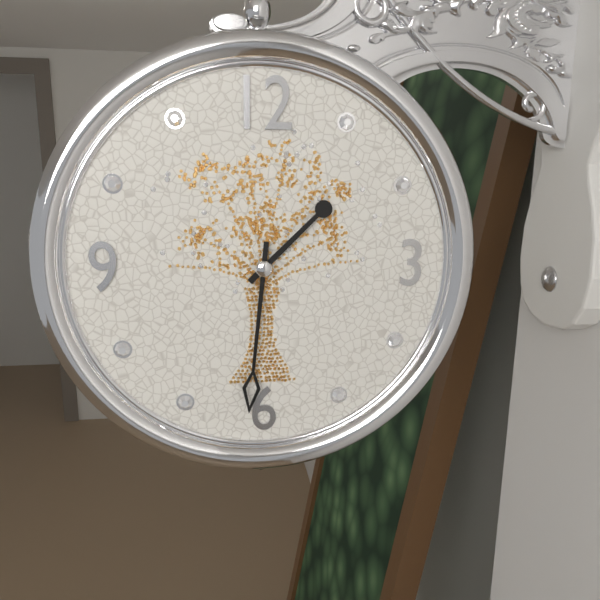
h=1 m=31
